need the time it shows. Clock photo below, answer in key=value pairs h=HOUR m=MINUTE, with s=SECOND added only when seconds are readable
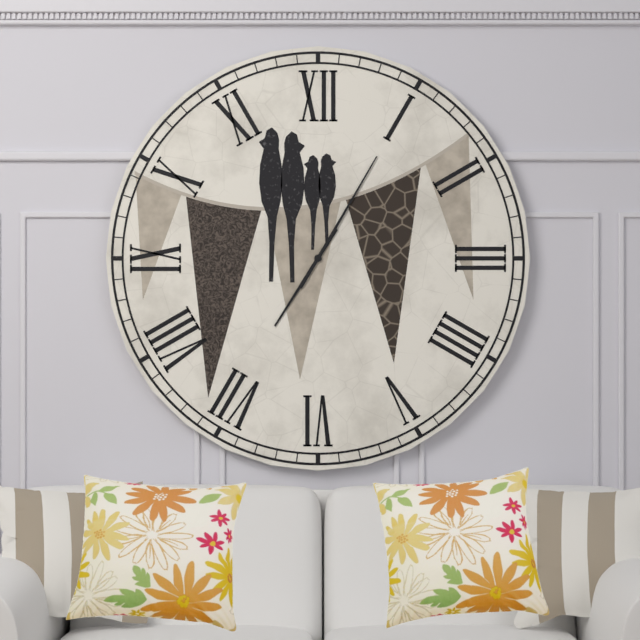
h=7 m=5
